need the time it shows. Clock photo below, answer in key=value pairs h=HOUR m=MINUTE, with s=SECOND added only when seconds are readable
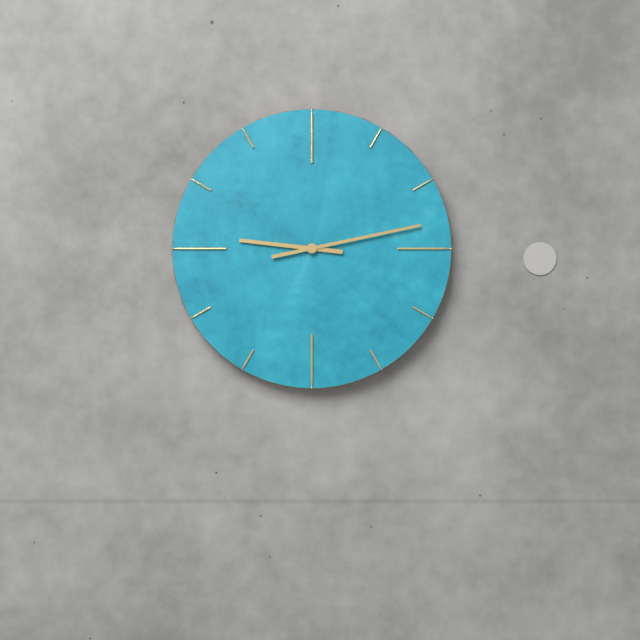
h=9 m=13
